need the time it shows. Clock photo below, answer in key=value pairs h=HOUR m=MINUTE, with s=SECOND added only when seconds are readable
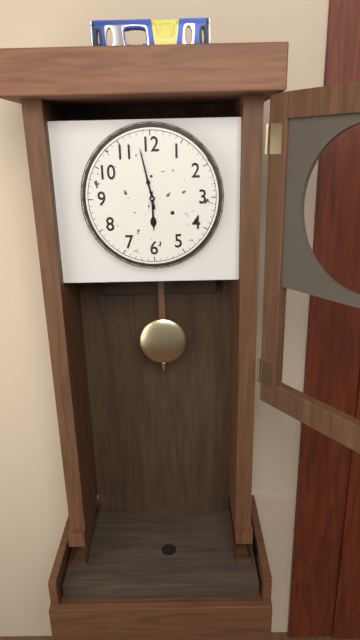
h=5 m=58
